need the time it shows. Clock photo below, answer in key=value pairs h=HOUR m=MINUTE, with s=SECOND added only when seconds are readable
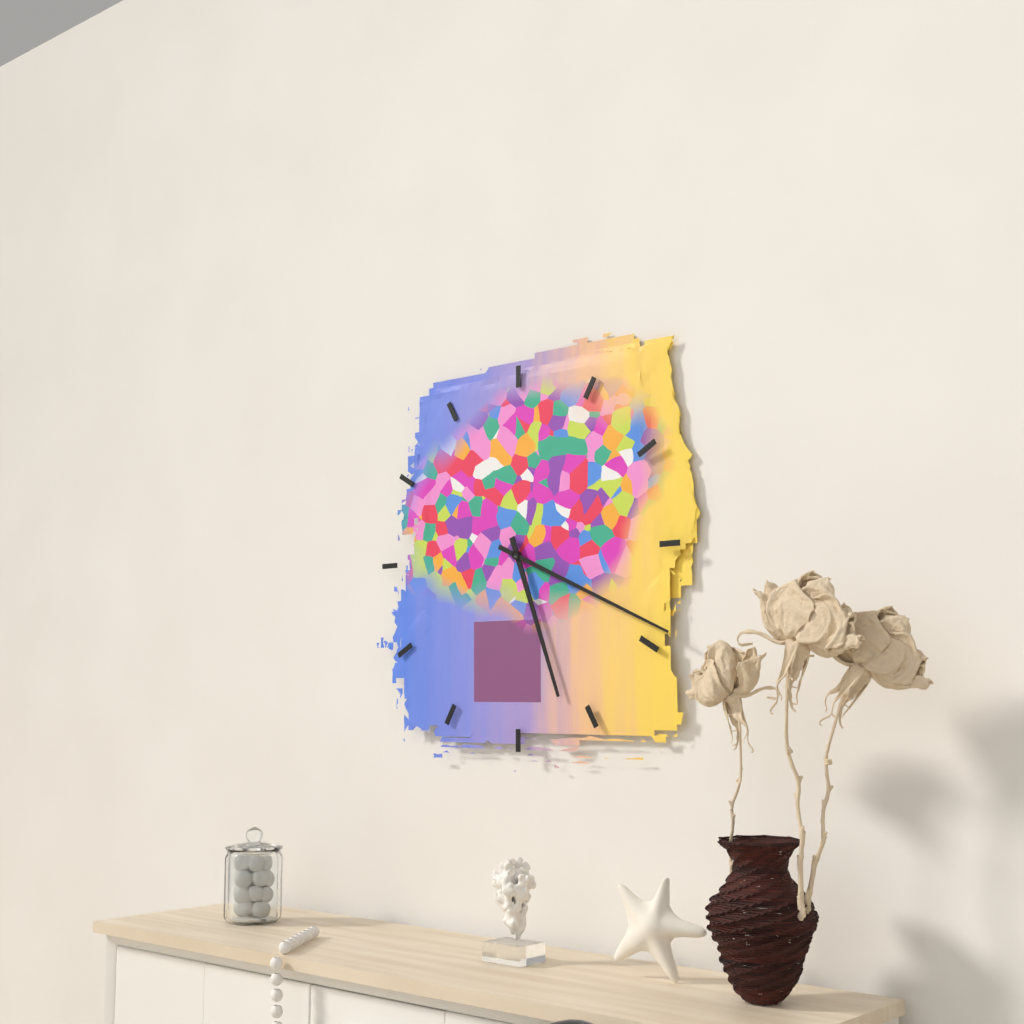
h=5 m=19
